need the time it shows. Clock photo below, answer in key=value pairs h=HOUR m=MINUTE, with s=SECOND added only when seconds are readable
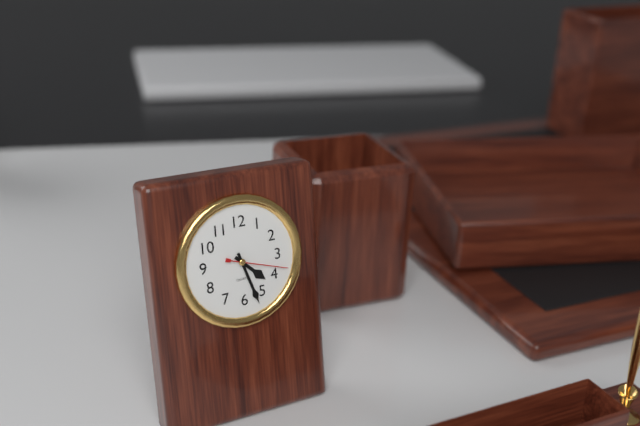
h=4 m=27 s=18
